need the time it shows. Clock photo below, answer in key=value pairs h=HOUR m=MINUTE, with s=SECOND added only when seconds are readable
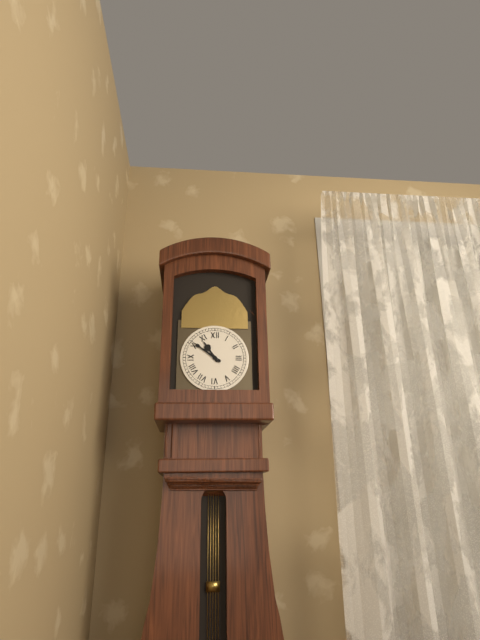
h=10 m=51
